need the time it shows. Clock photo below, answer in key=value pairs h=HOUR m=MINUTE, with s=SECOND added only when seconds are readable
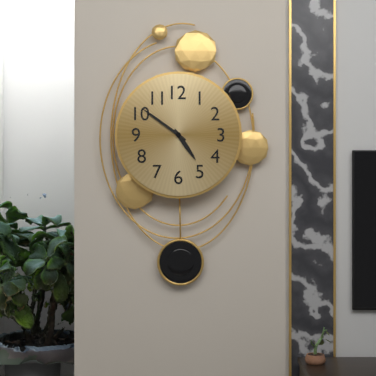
h=4 m=51
